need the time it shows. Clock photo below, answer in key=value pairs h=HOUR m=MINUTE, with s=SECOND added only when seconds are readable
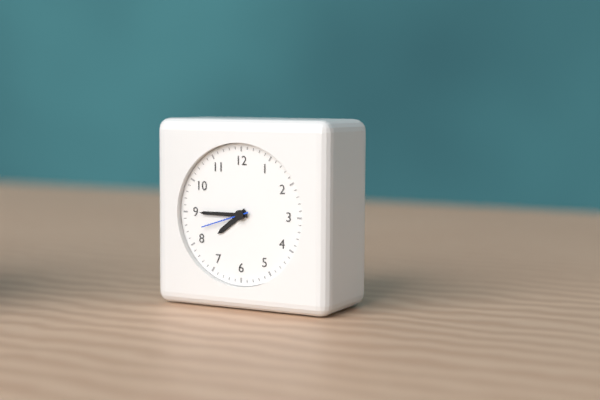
h=7 m=45
